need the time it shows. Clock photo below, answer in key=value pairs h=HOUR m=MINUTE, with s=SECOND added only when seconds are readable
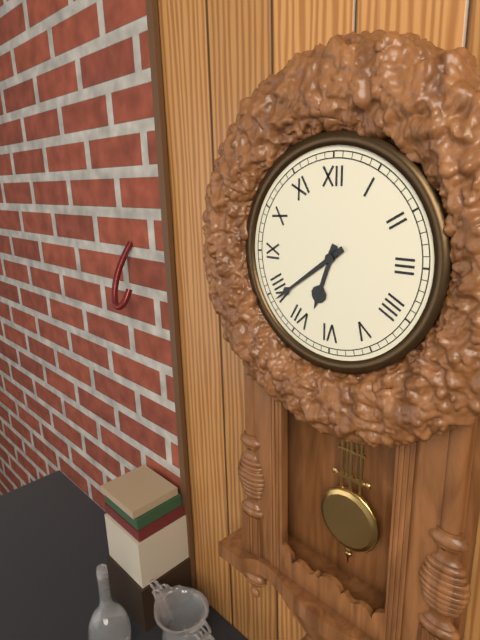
h=6 m=39
